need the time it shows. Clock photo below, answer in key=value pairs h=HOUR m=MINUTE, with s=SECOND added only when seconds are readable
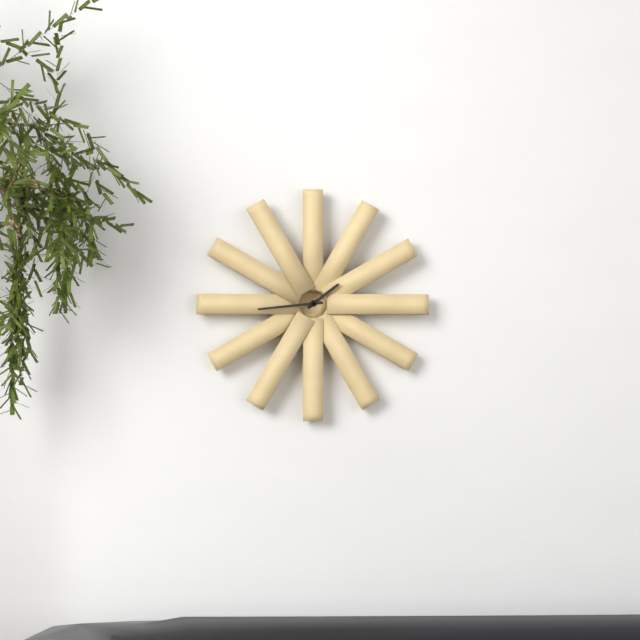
h=1 m=44
